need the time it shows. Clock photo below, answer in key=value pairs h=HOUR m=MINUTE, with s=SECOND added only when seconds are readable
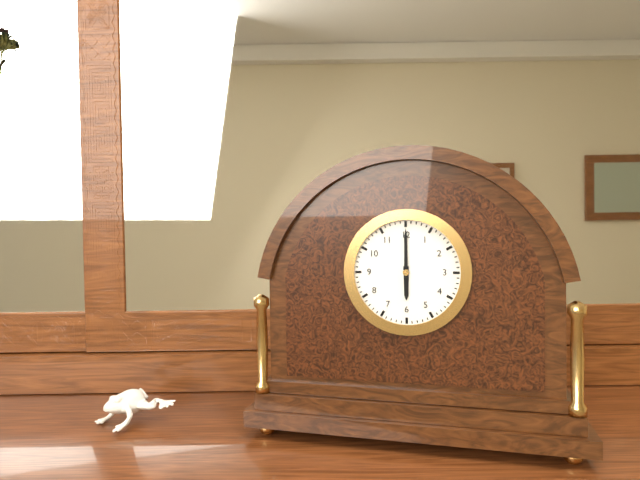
h=6 m=0
